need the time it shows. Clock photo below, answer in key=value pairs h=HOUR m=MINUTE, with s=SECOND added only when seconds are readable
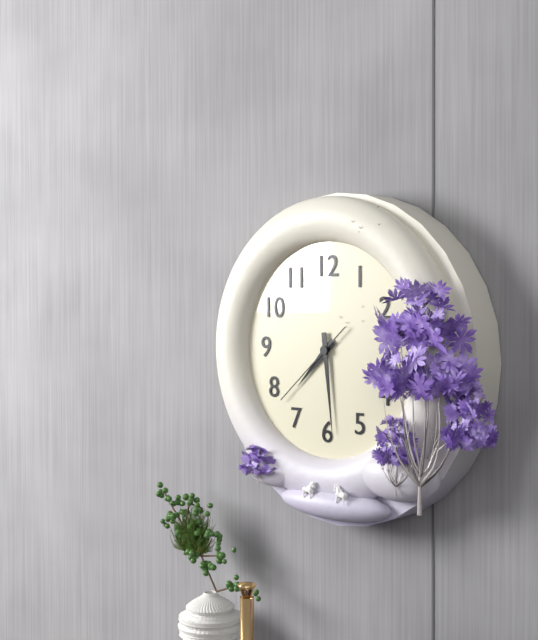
h=7 m=29 s=38
